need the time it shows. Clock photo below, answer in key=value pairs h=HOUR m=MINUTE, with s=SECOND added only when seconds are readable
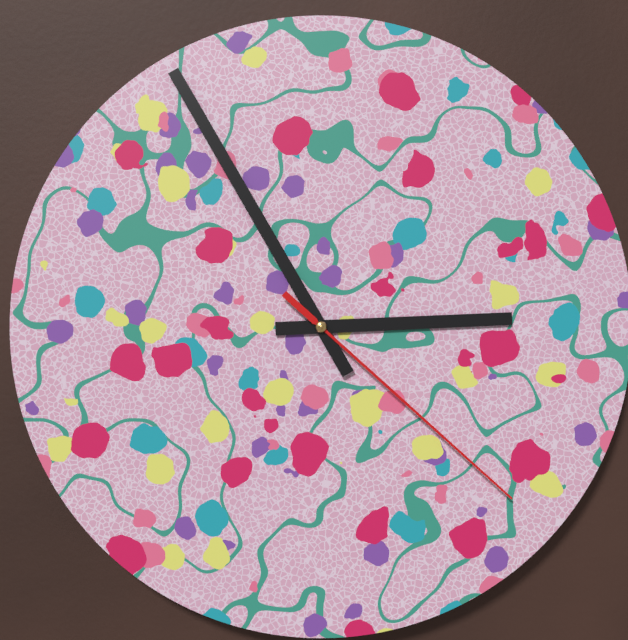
h=2 m=55 s=22
